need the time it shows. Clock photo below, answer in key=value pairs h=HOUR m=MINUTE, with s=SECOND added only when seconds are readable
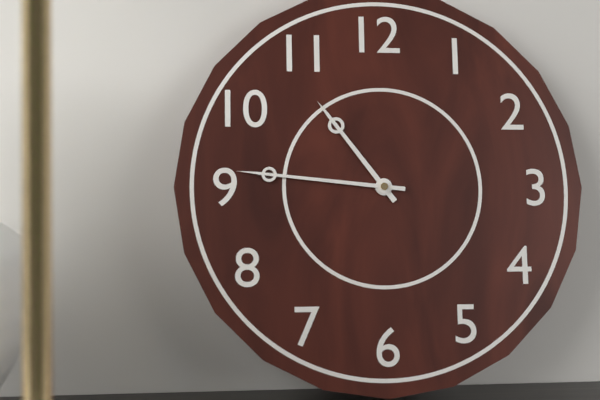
h=10 m=46
